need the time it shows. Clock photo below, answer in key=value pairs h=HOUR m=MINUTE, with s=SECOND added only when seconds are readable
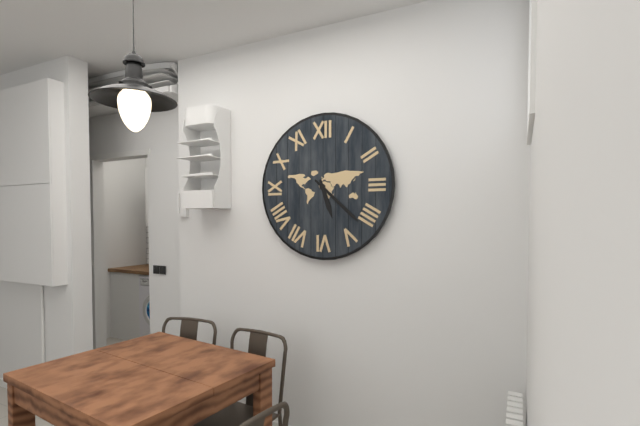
h=5 m=22
